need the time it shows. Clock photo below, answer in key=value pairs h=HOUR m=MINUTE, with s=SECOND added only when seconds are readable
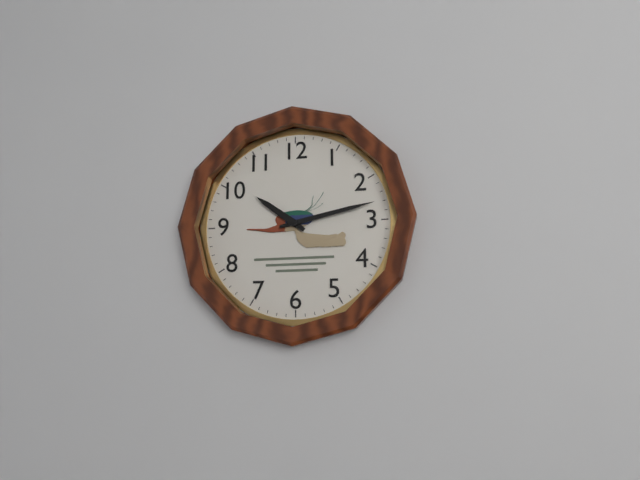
h=10 m=13
